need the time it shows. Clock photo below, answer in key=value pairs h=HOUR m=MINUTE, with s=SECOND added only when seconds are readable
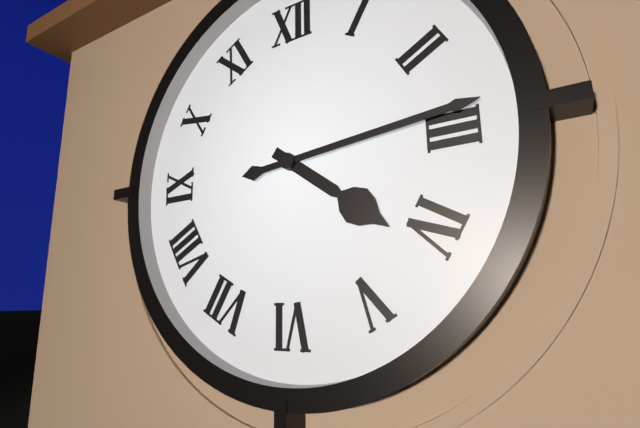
h=4 m=14
